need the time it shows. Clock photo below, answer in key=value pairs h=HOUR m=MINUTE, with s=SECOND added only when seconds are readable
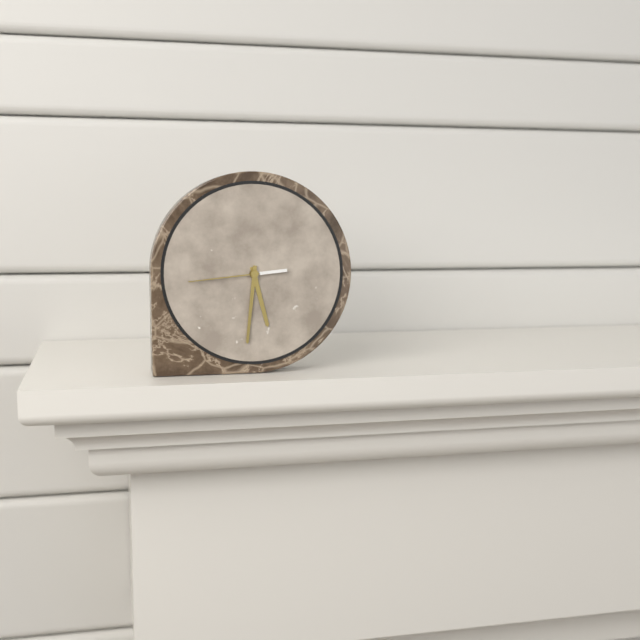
h=5 m=31 s=44
